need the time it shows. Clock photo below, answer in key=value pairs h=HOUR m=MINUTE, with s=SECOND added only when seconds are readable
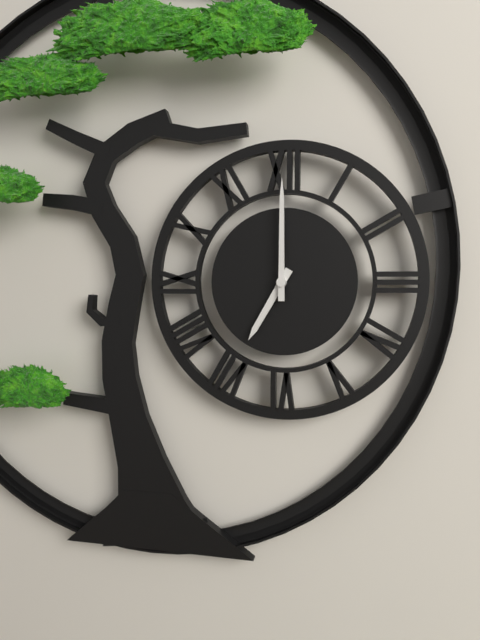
h=7 m=0
